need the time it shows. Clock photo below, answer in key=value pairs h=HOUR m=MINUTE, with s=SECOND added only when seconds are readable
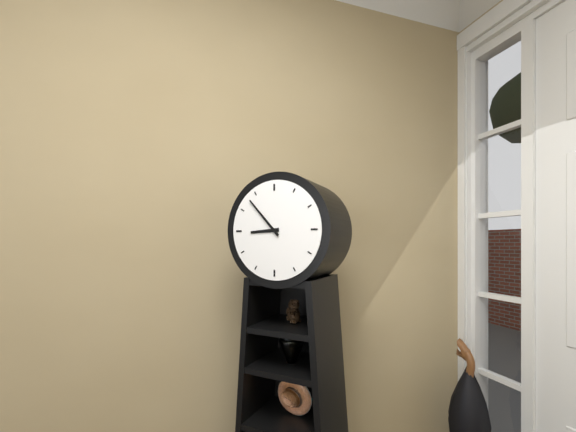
h=8 m=53
